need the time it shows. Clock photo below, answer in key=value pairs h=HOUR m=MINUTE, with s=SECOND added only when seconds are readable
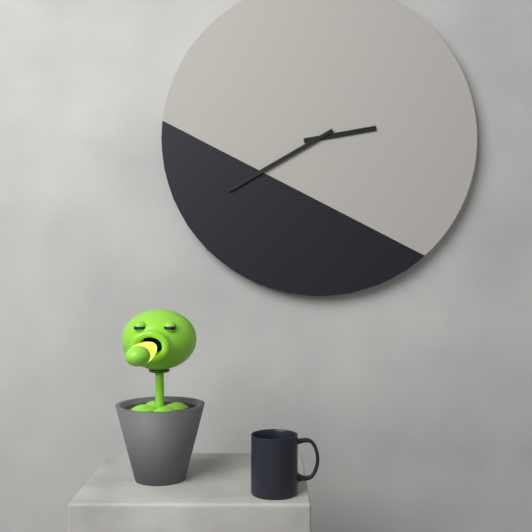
h=2 m=40
